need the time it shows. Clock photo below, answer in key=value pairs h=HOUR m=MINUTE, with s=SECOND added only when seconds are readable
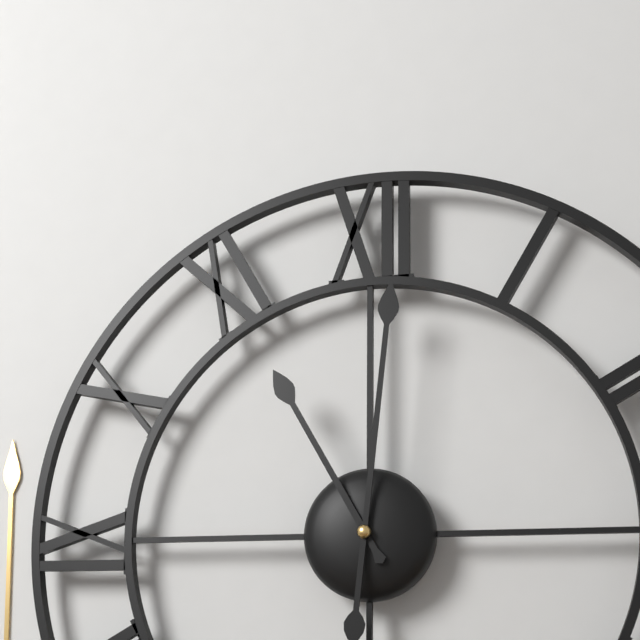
h=11 m=1
